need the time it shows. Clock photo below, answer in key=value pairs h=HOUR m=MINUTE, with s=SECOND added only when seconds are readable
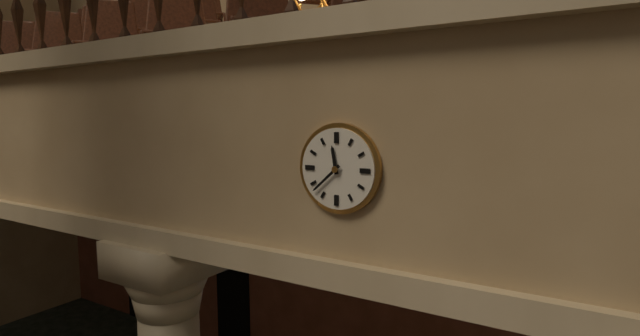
h=11 m=38
